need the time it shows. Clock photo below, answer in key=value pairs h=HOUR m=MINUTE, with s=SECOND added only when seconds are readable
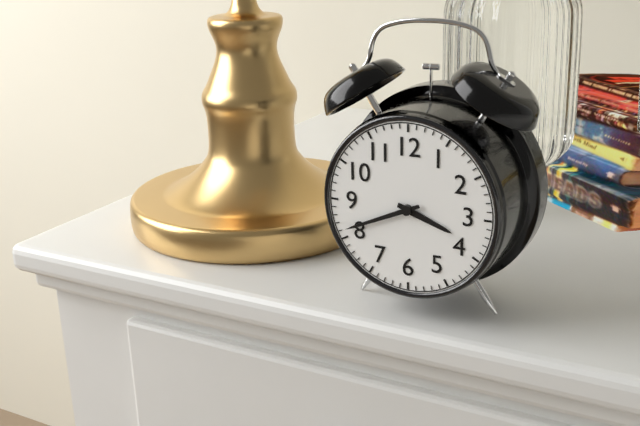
h=3 m=41
